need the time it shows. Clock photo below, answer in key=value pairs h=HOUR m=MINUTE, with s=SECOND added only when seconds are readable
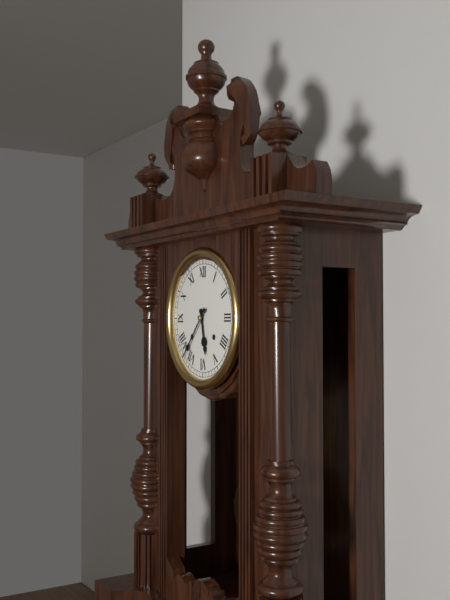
h=5 m=37
